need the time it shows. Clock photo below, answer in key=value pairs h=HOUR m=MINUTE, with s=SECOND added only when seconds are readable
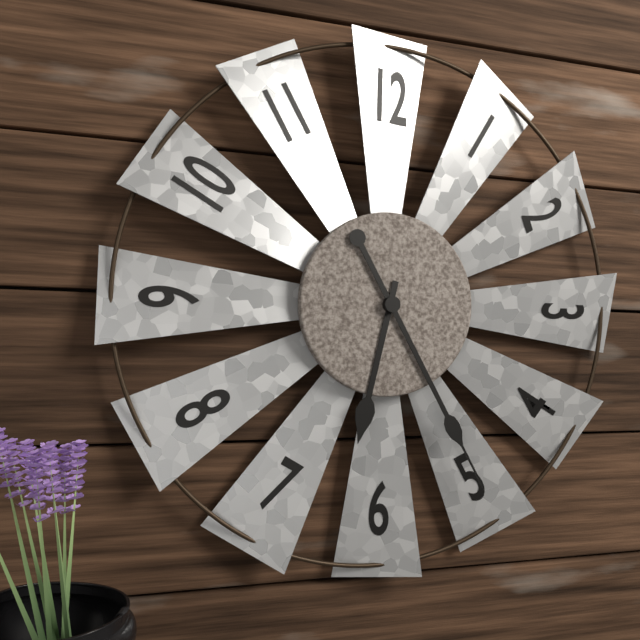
h=6 m=25
